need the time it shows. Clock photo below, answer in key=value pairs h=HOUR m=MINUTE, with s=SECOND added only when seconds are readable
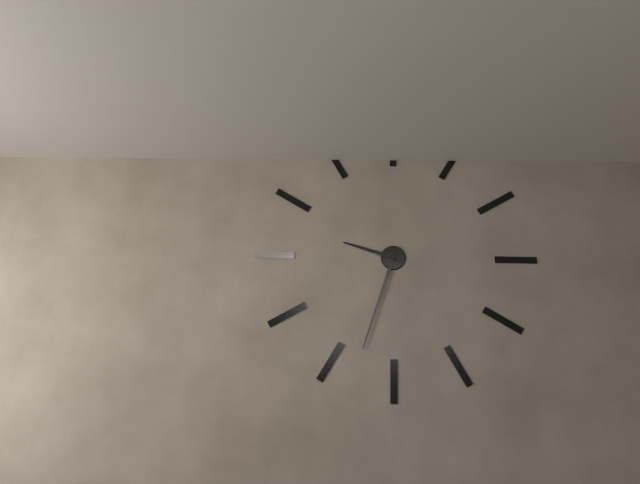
h=9 m=33
